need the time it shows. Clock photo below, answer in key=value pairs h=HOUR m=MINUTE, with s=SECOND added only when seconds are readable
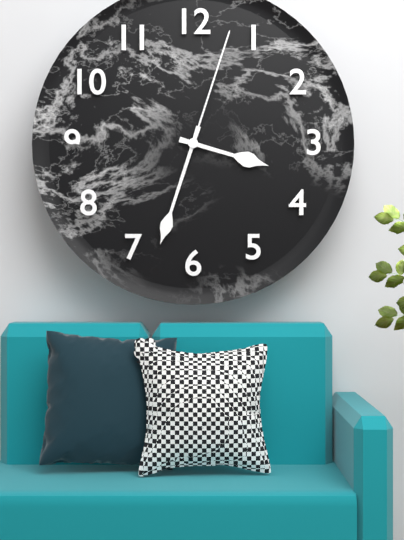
h=3 m=33 s=3
